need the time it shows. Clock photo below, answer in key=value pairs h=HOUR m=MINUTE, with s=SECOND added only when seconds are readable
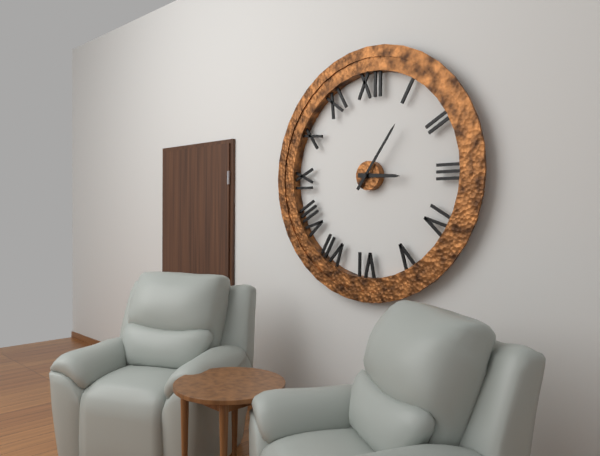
h=3 m=6
